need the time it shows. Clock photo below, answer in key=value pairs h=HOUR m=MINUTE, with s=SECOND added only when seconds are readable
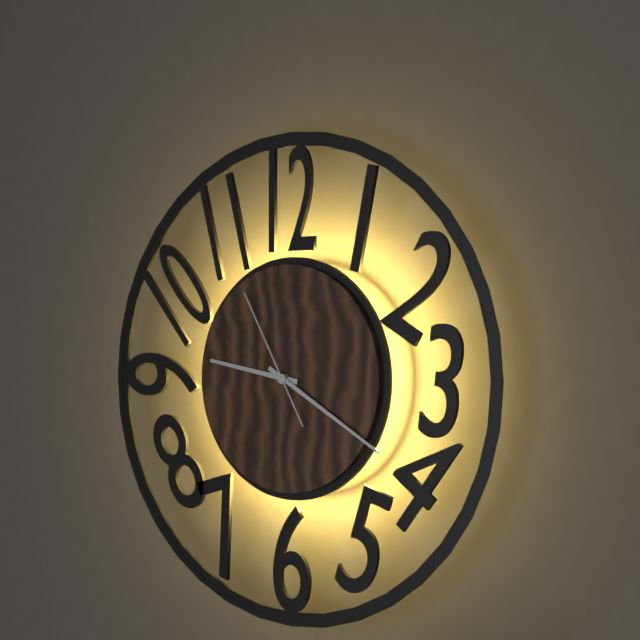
h=9 m=20 s=55
